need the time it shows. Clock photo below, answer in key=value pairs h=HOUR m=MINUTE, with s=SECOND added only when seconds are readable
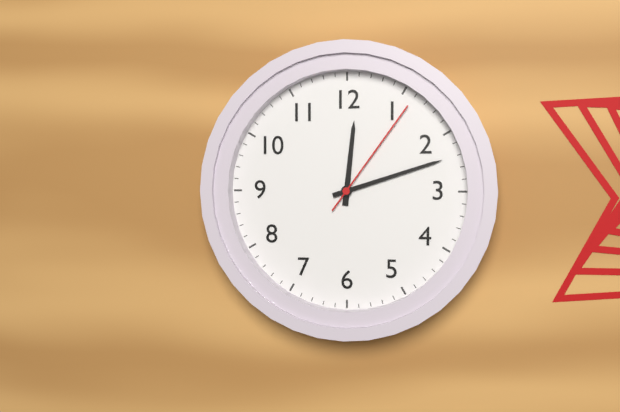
h=12 m=12 s=6
